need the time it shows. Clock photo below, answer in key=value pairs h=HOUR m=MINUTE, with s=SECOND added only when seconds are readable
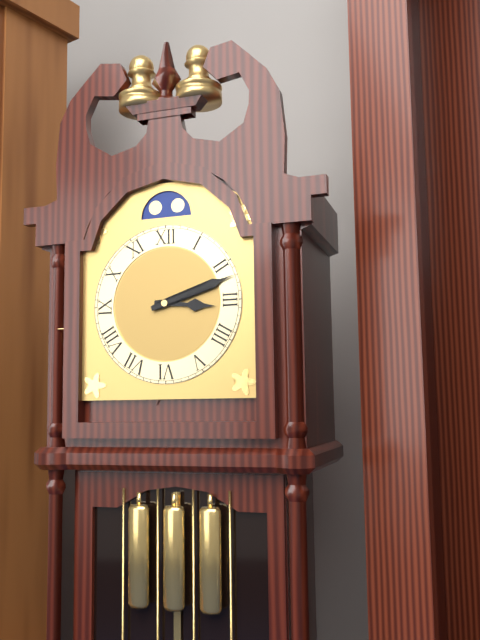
h=3 m=12
